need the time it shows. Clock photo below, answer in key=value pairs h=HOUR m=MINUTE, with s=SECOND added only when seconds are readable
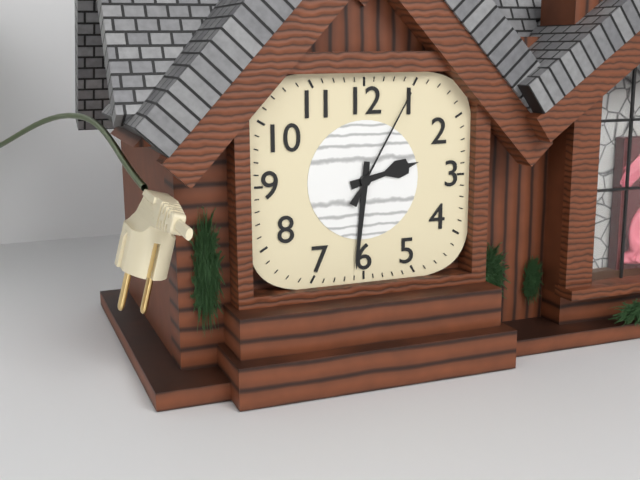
h=2 m=31 s=5
